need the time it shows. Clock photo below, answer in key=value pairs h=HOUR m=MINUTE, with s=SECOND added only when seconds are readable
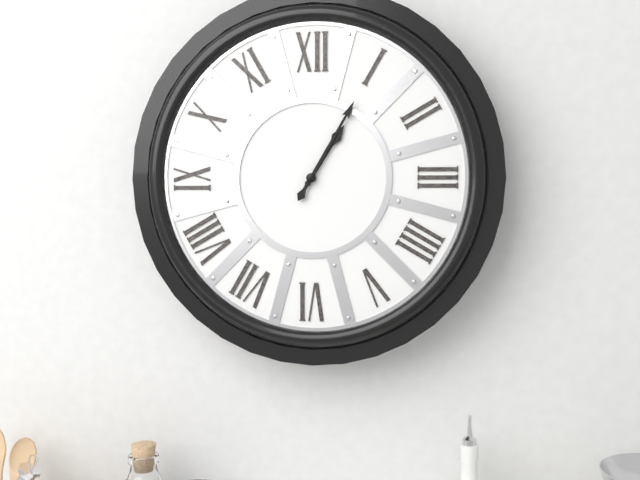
h=1 m=5
